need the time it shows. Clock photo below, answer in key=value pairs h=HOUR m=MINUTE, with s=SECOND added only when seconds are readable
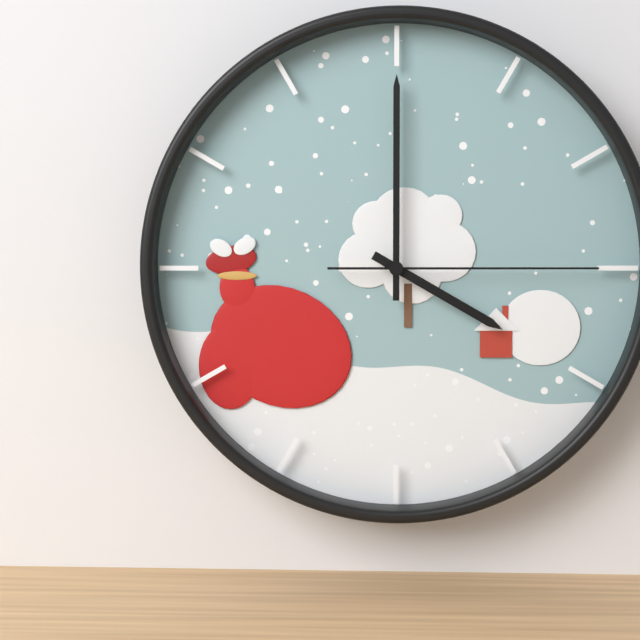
h=4 m=0 s=15
